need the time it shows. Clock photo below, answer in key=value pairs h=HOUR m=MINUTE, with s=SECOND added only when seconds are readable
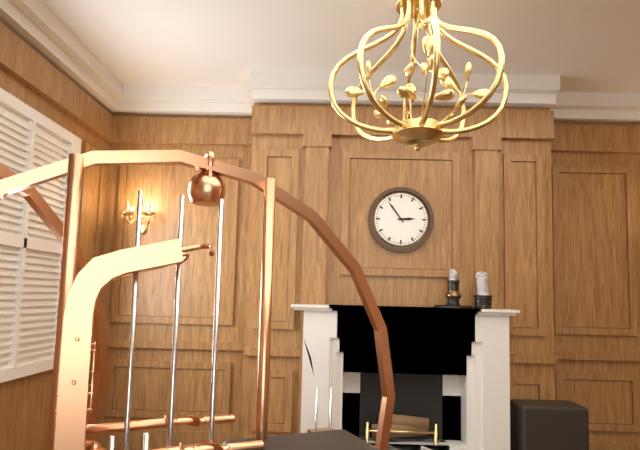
h=2 m=54
